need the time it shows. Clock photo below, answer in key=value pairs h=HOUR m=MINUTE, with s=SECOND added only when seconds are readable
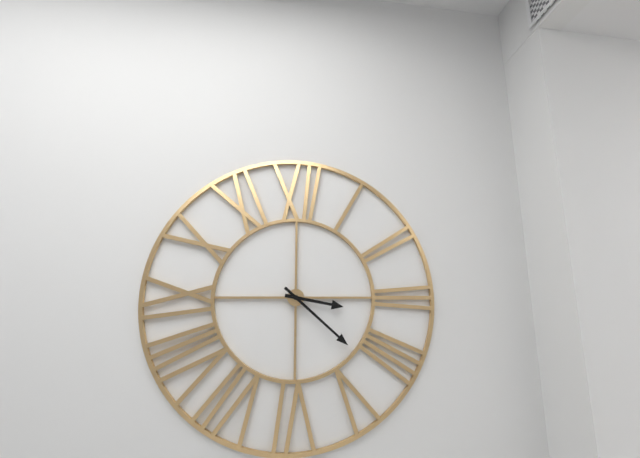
h=3 m=22
